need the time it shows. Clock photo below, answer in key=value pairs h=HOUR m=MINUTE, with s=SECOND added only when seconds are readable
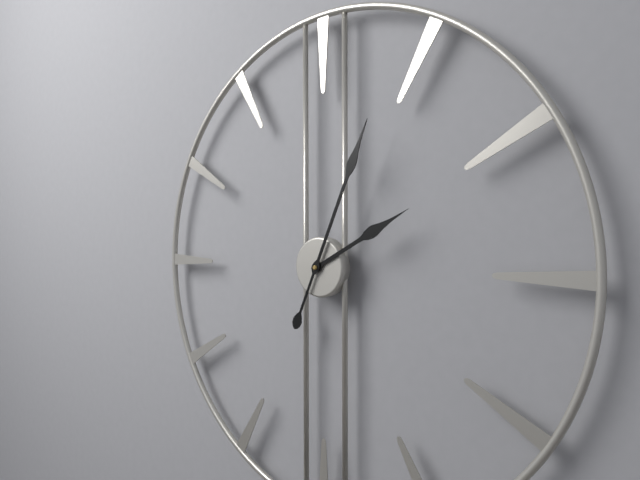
h=2 m=4
